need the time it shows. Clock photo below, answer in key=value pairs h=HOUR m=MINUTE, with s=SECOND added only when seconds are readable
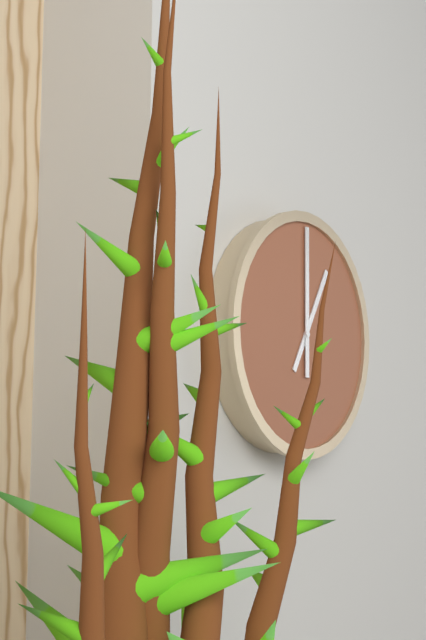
h=1 m=0
